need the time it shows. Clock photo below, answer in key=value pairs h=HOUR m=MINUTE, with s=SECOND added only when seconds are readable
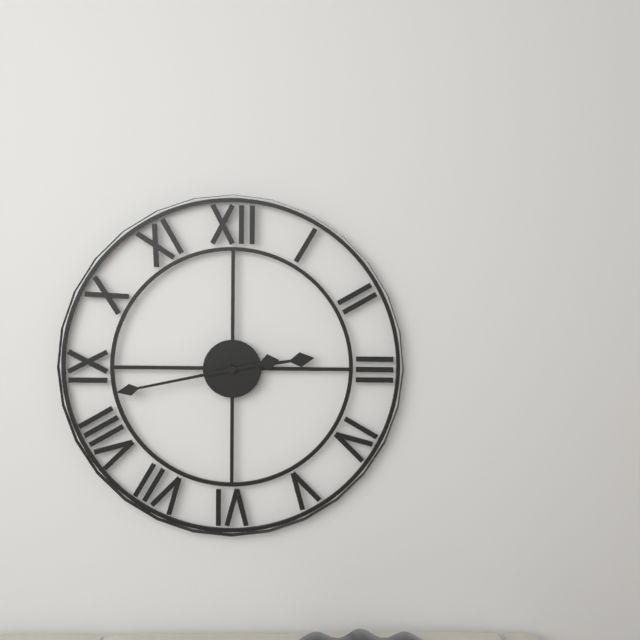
h=2 m=43
